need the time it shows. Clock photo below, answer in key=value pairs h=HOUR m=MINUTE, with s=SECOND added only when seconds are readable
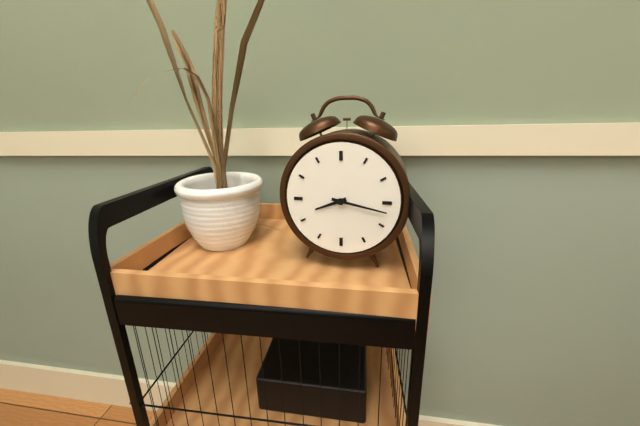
h=8 m=17
